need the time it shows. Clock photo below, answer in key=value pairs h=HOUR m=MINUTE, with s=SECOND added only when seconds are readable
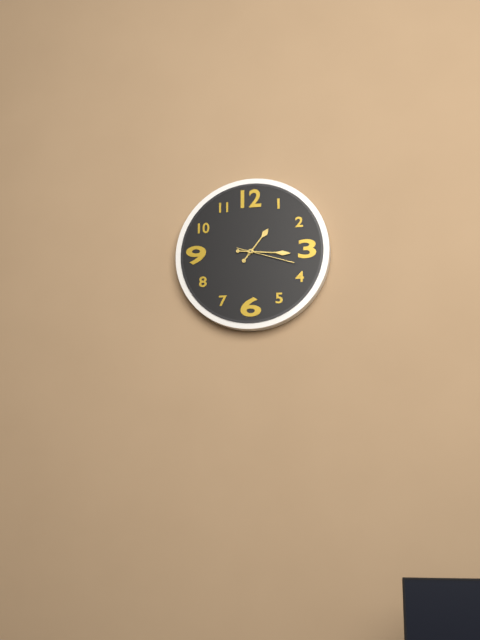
h=1 m=16 s=18
